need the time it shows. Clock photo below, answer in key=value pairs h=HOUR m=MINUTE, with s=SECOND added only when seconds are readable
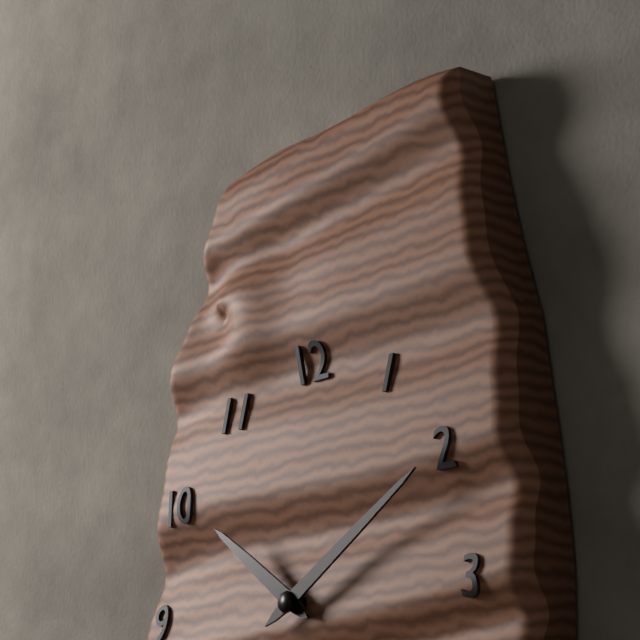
h=10 m=10
